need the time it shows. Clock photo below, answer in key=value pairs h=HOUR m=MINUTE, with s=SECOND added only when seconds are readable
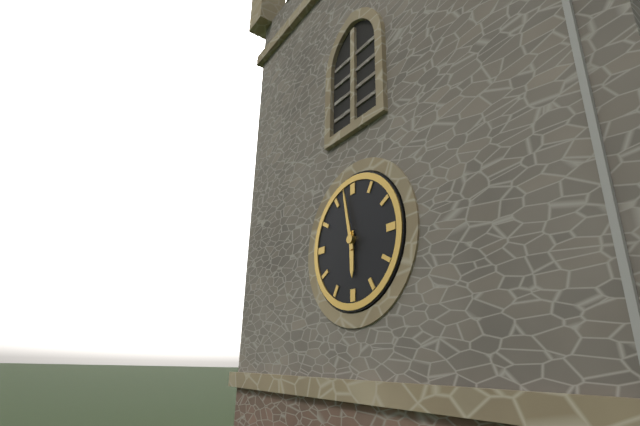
h=5 m=58
